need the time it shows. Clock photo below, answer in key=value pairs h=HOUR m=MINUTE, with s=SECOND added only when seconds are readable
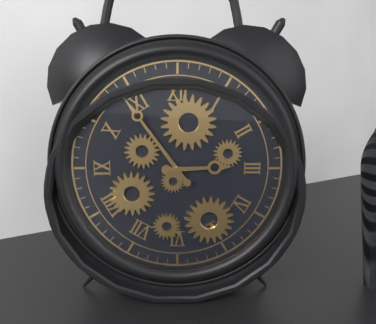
h=2 m=54
